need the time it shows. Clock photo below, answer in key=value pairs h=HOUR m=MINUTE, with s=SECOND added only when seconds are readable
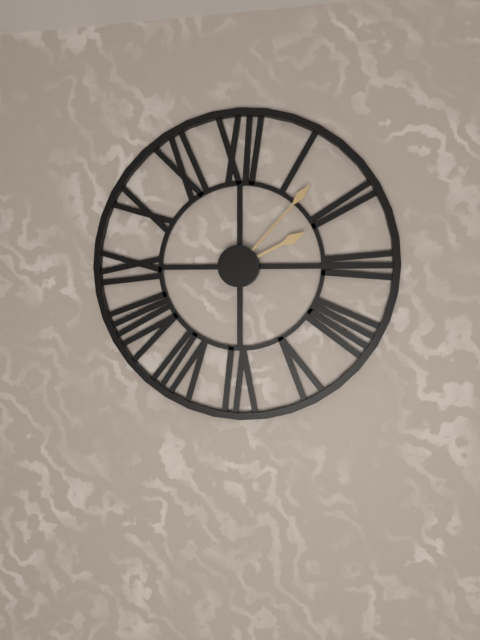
h=2 m=7
